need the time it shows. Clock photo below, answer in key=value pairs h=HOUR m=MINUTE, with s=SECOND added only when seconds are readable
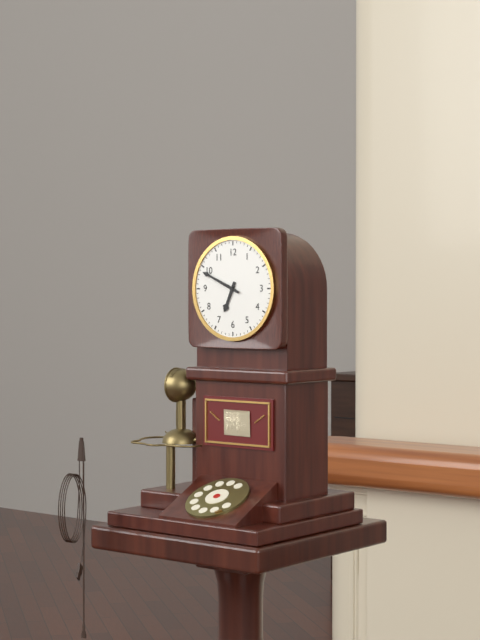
h=6 m=49
